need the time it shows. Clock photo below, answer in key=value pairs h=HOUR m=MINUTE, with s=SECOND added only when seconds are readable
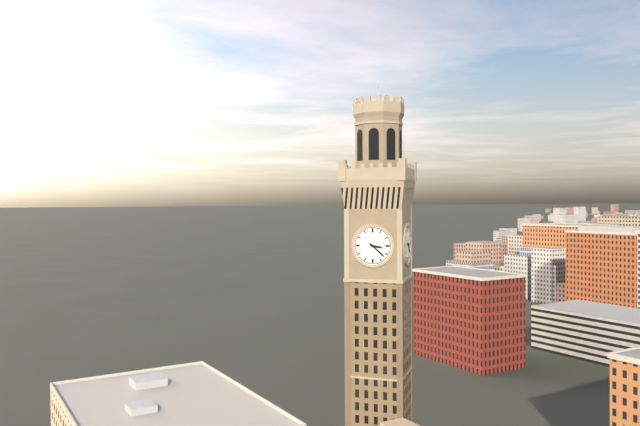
h=3 m=22
